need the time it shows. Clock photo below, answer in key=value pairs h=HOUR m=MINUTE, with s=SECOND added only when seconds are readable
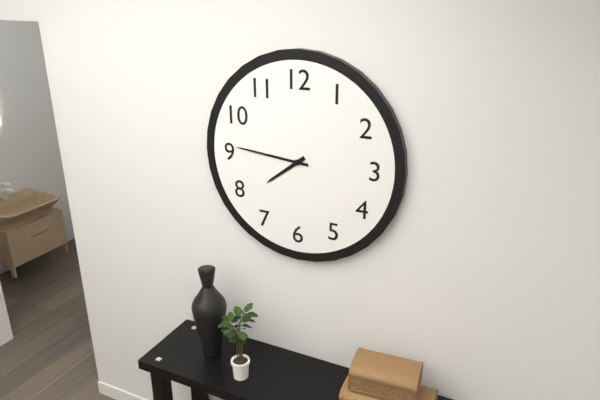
h=7 m=46
